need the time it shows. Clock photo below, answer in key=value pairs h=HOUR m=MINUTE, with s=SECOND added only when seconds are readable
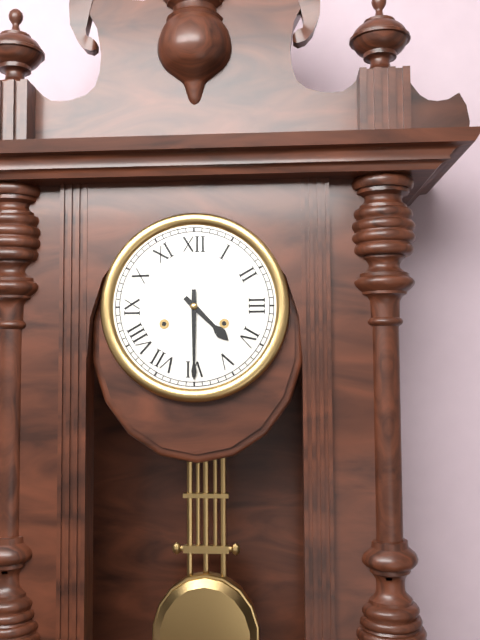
h=4 m=30
